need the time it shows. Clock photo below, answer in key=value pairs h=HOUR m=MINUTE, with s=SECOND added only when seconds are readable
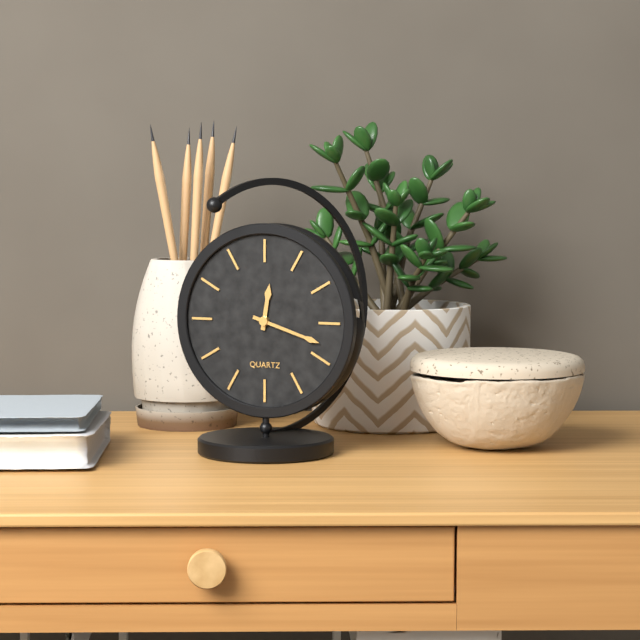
h=12 m=18
